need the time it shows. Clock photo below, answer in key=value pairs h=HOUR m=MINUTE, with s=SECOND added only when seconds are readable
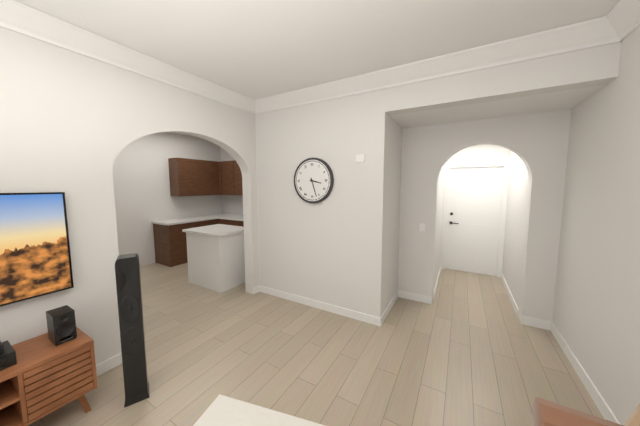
h=3 m=27
